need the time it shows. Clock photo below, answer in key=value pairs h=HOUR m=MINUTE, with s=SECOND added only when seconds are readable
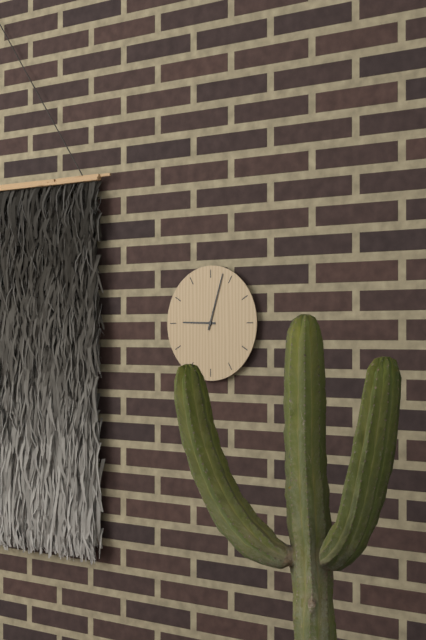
h=9 m=3
